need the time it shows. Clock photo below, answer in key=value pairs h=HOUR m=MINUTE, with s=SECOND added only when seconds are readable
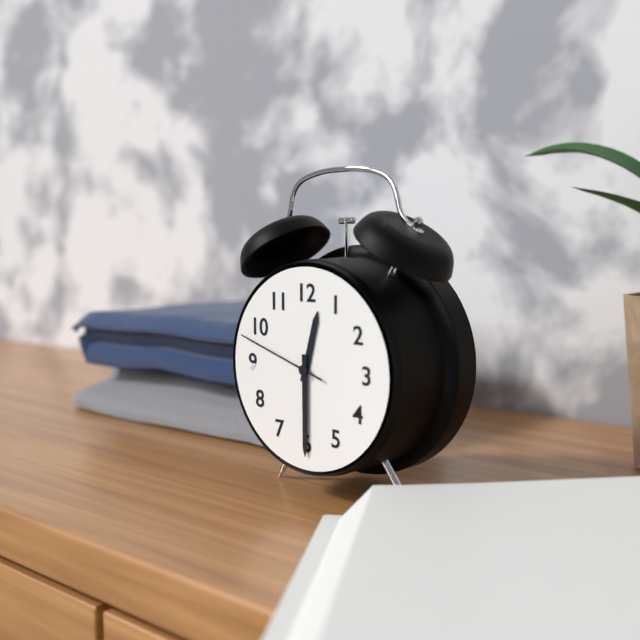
h=12 m=30 s=48
